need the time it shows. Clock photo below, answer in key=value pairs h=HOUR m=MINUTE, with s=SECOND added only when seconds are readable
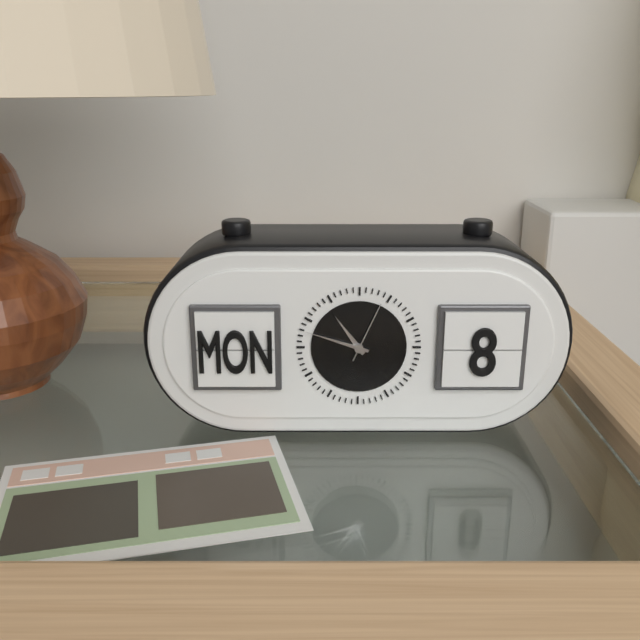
h=10 m=48 s=4
